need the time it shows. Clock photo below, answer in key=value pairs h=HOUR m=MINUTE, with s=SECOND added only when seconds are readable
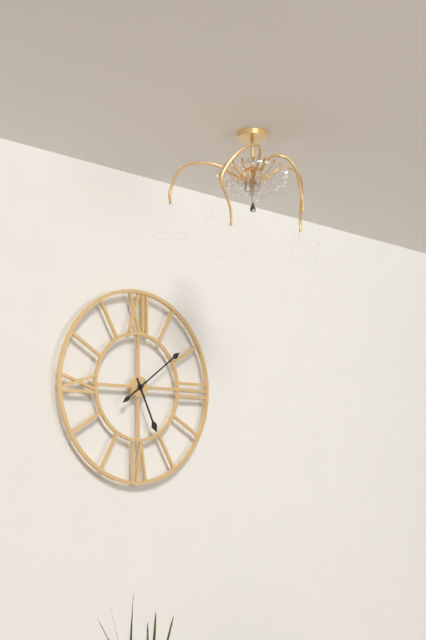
h=5 m=9
